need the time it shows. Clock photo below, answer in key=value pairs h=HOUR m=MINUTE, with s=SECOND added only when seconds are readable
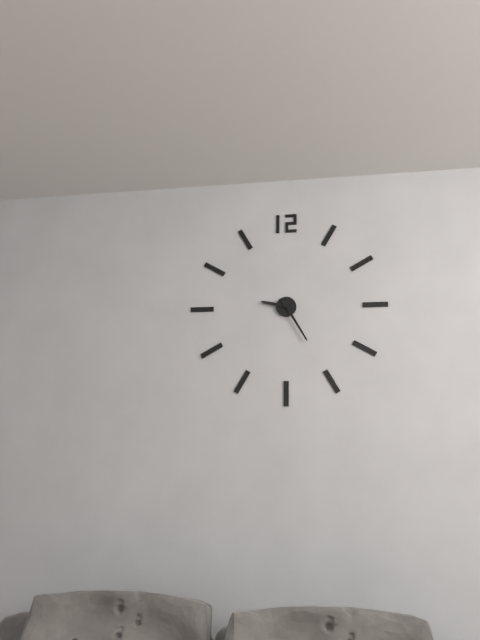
h=9 m=25
